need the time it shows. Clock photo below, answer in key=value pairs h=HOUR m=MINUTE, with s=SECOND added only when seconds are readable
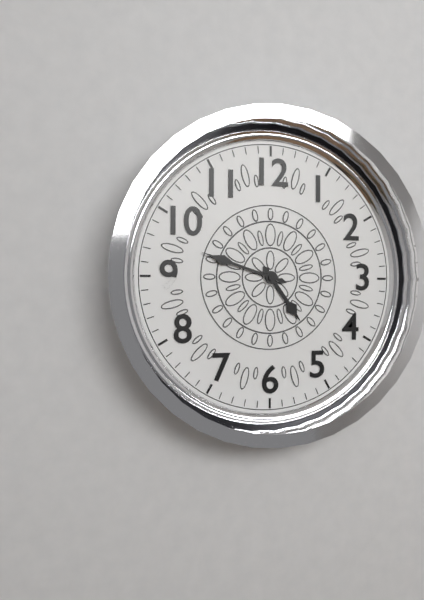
h=4 m=48
